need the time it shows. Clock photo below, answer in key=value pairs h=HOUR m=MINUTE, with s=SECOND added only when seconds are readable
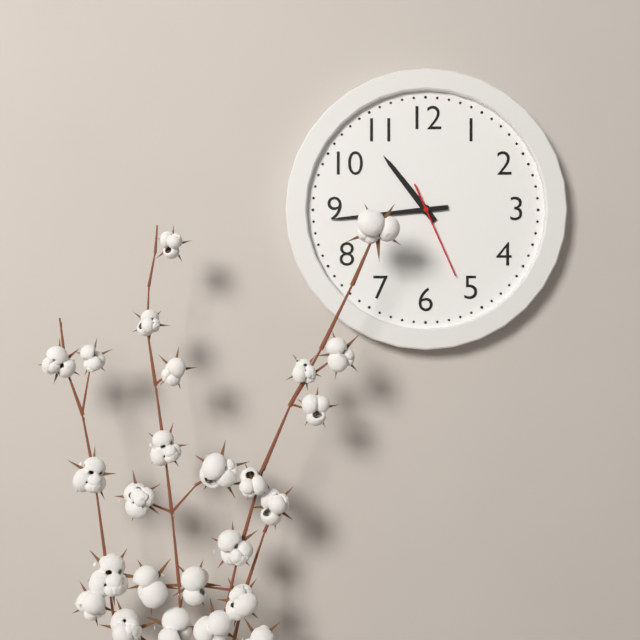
h=10 m=44 s=26
